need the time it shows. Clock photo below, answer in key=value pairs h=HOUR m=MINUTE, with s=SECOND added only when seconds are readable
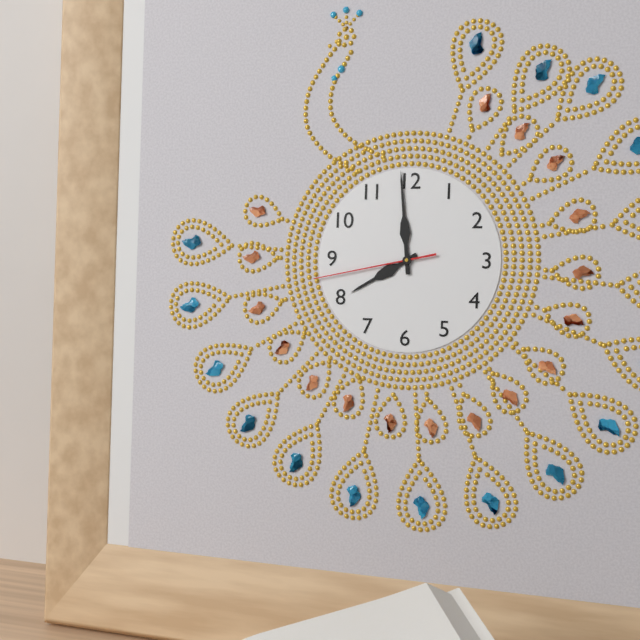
h=7 m=59 s=43
